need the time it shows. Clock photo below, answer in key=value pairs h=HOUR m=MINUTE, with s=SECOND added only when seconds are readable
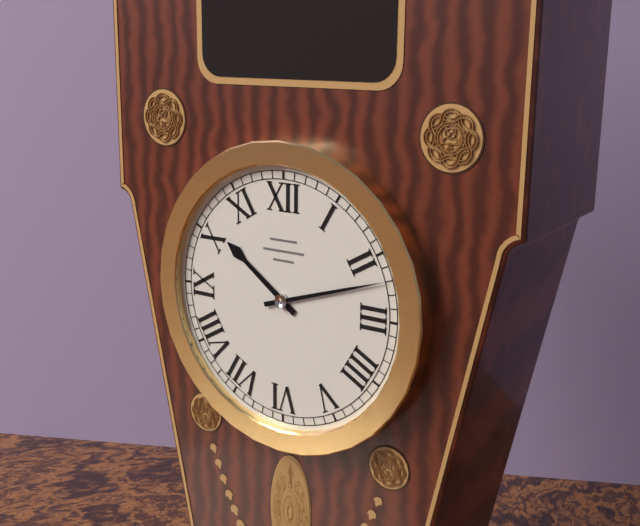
h=10 m=12
